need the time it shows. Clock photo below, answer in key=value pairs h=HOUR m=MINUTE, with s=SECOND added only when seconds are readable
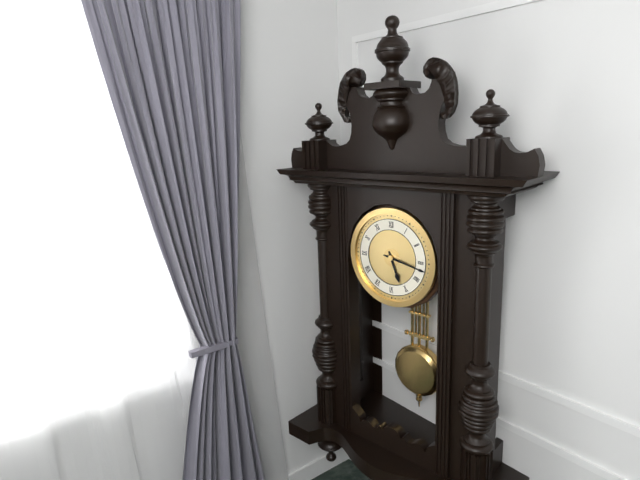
h=5 m=17
